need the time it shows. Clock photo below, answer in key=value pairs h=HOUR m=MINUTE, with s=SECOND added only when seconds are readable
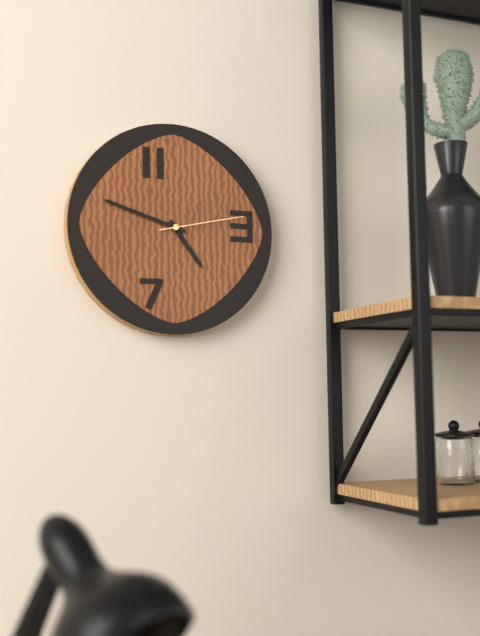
h=4 m=48 s=13
